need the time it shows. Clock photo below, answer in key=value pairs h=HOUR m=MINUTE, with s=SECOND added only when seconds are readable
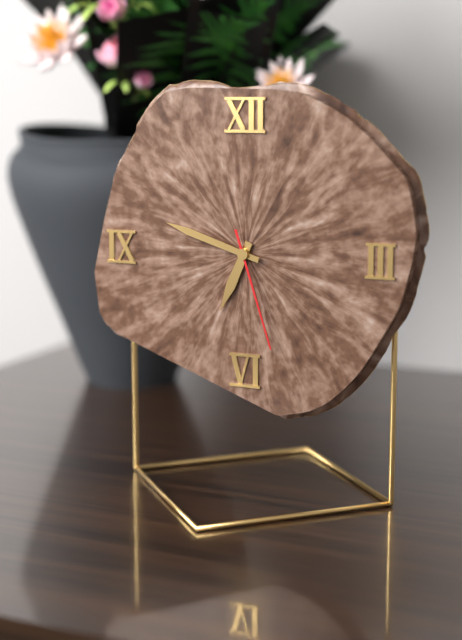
h=6 m=48 s=27
